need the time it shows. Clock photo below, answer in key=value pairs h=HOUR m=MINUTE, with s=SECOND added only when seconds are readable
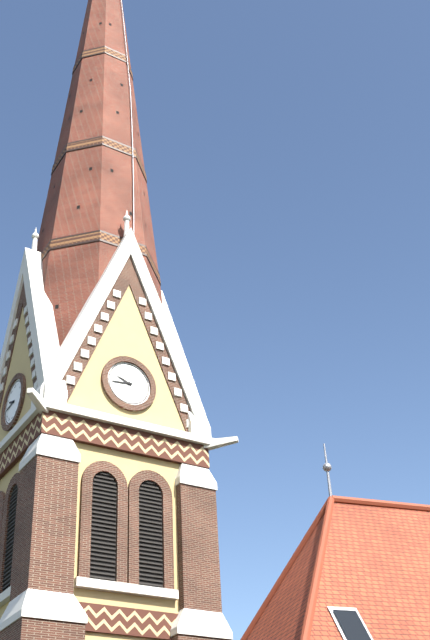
h=9 m=44
